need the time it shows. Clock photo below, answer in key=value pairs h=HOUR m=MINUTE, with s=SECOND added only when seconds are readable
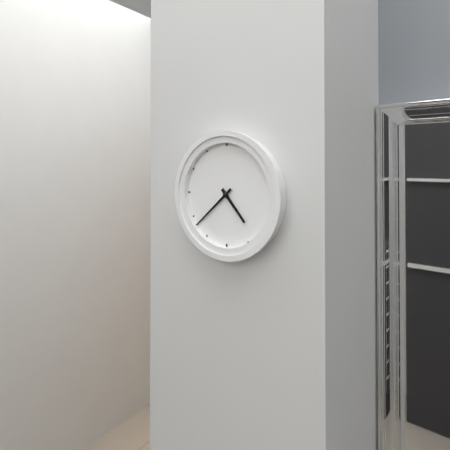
h=4 m=38
